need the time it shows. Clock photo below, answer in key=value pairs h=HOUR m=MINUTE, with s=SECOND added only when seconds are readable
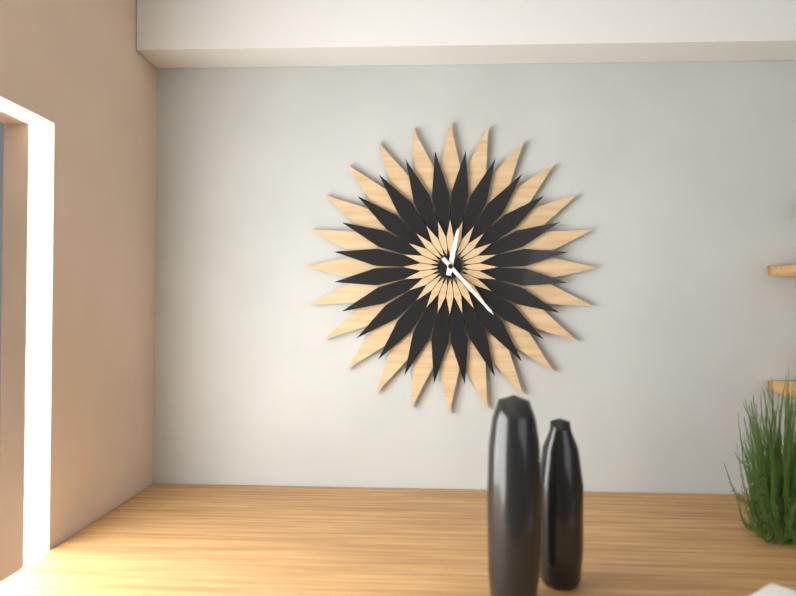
h=12 m=23
